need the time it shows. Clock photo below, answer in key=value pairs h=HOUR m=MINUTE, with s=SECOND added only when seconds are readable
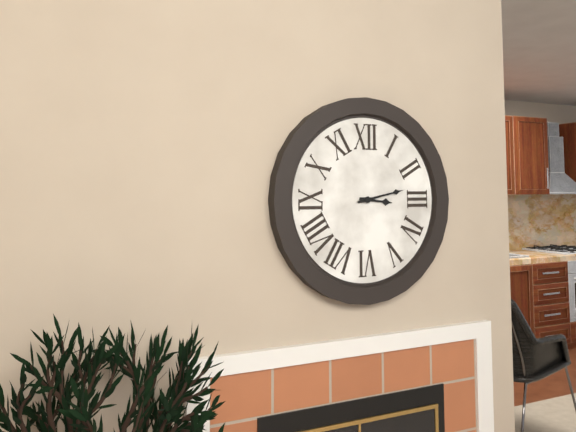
h=3 m=13
